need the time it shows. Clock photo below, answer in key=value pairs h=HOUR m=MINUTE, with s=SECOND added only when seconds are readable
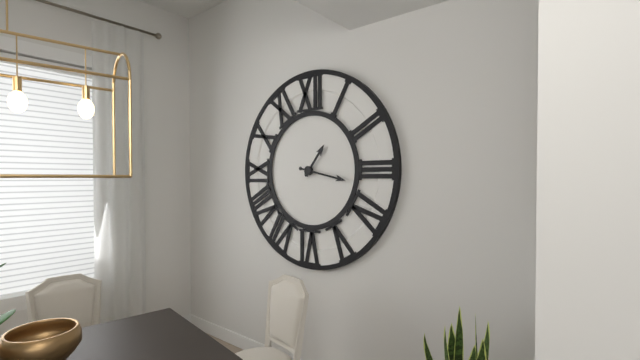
h=1 m=17
